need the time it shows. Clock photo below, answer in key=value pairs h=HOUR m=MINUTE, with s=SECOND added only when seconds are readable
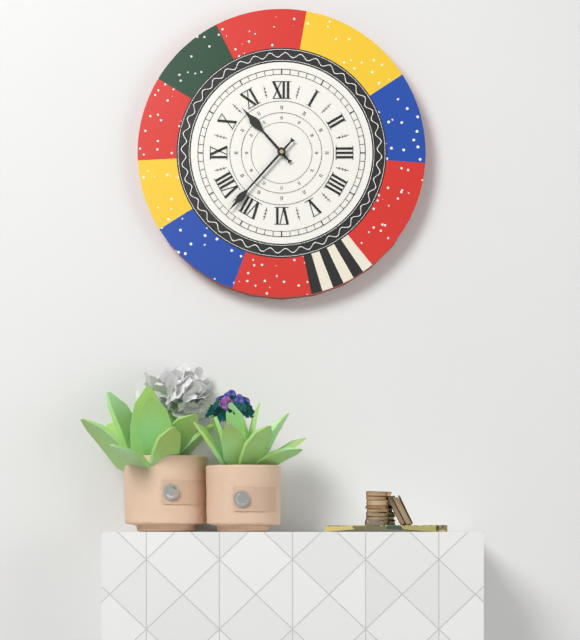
h=10 m=37
